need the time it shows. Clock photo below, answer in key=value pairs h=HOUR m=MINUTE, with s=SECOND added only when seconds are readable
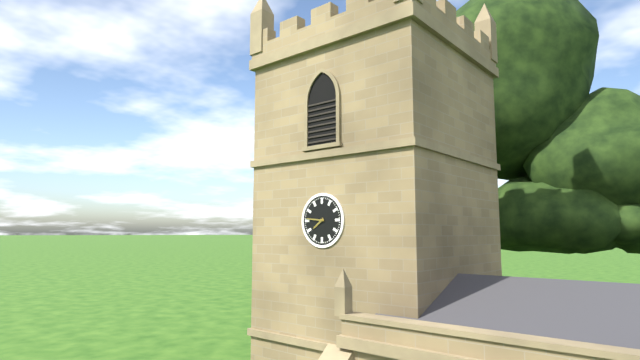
h=7 m=46
